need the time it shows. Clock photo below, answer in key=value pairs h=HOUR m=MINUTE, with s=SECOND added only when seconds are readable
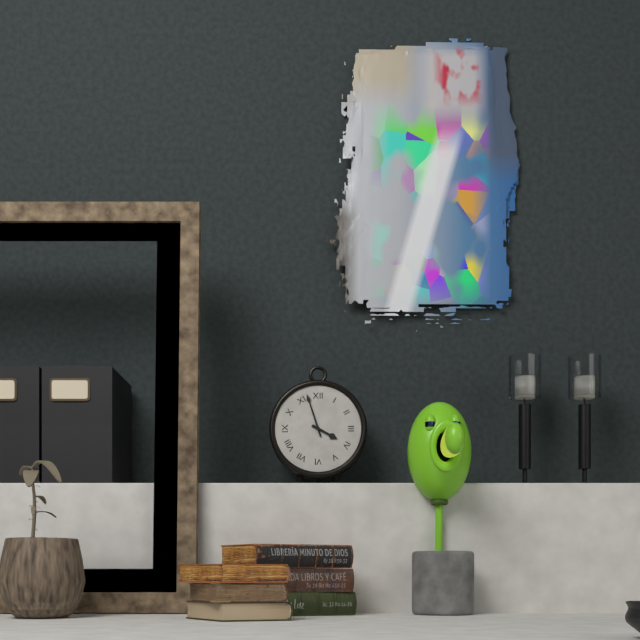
h=3 m=57
